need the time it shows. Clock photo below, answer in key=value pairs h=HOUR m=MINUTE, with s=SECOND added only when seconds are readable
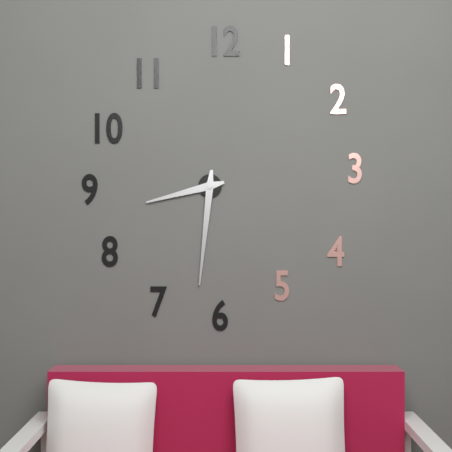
h=8 m=31
